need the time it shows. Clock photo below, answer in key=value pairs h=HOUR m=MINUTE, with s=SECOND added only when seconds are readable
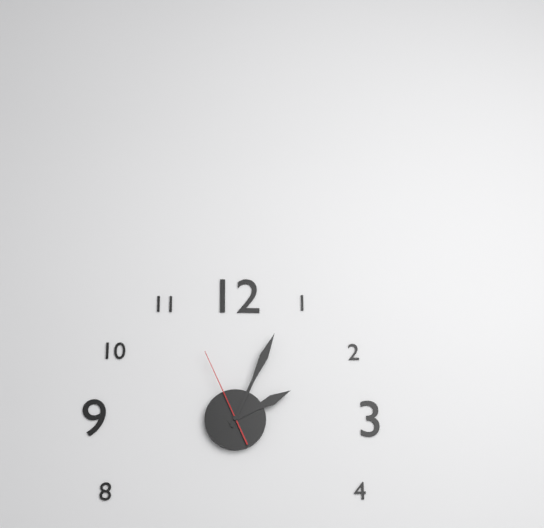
h=2 m=4 s=56
